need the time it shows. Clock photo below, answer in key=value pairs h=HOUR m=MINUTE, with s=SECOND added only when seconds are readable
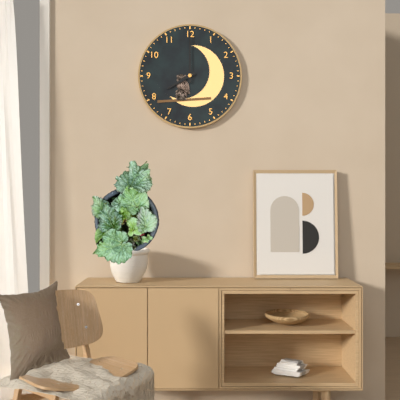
h=8 m=0
